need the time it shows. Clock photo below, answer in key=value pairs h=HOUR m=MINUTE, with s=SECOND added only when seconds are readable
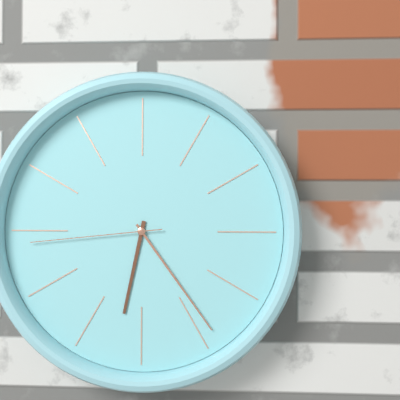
h=6 m=24 s=44
